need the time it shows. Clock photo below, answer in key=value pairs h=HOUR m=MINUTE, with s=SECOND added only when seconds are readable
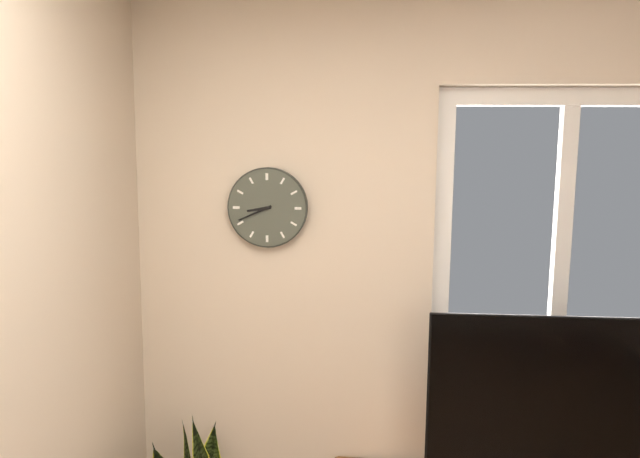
h=8 m=41
